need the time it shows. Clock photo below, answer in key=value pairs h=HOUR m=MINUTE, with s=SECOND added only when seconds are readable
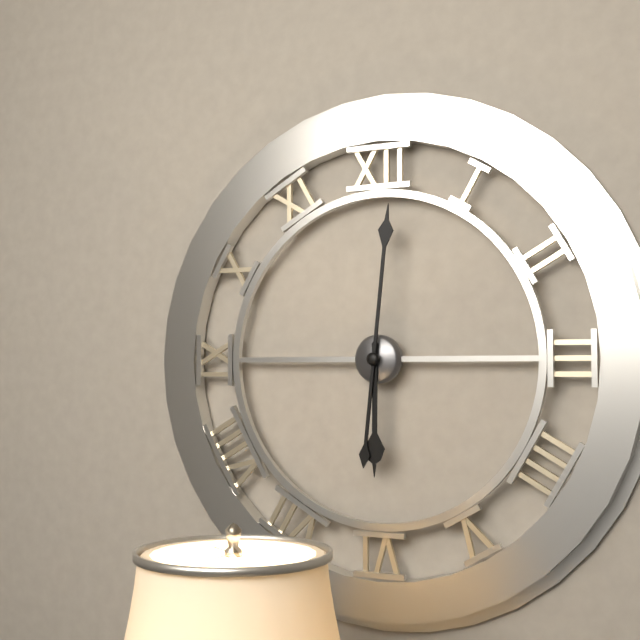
h=6 m=1
